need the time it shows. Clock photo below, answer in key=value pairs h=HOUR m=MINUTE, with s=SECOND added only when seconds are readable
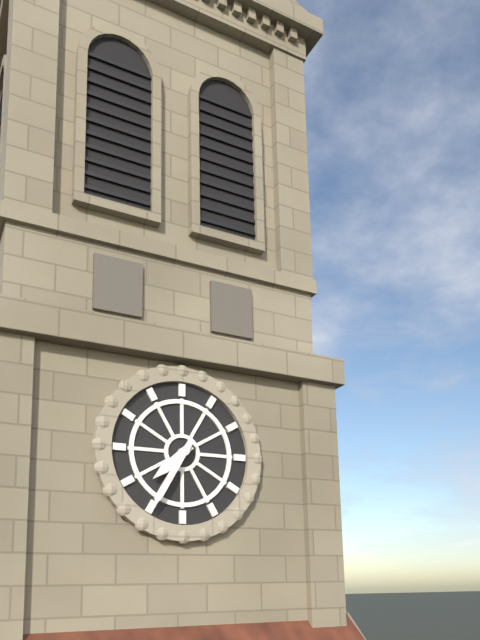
h=7 m=35
